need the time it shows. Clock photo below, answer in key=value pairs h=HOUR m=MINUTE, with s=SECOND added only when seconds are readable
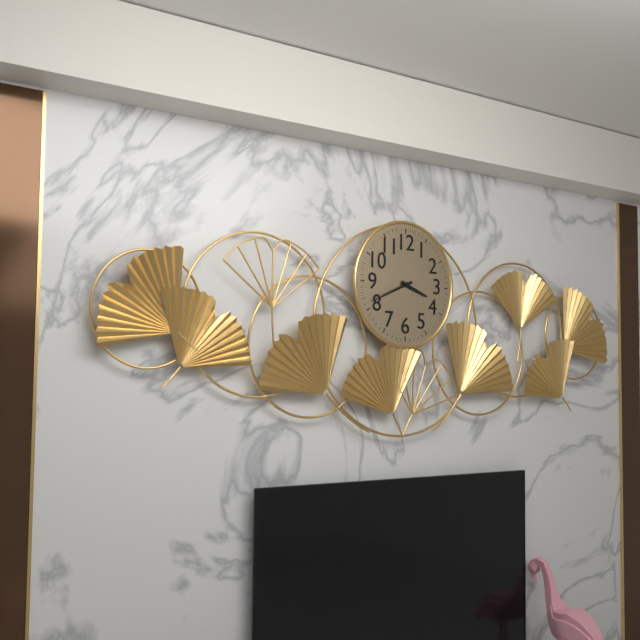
h=3 m=41
